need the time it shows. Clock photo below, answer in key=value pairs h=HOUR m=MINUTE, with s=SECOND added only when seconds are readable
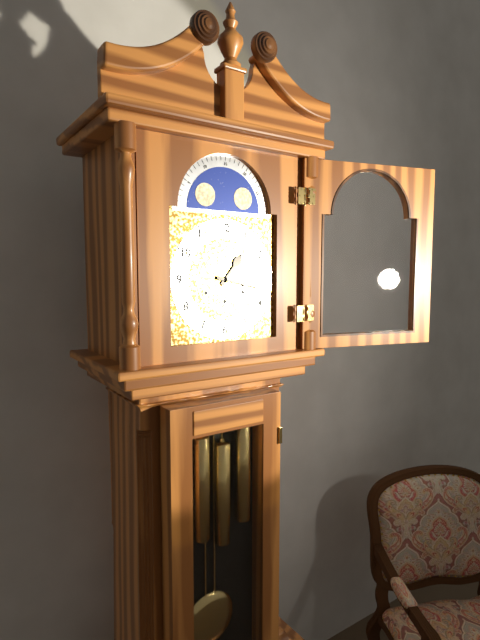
h=1 m=17
